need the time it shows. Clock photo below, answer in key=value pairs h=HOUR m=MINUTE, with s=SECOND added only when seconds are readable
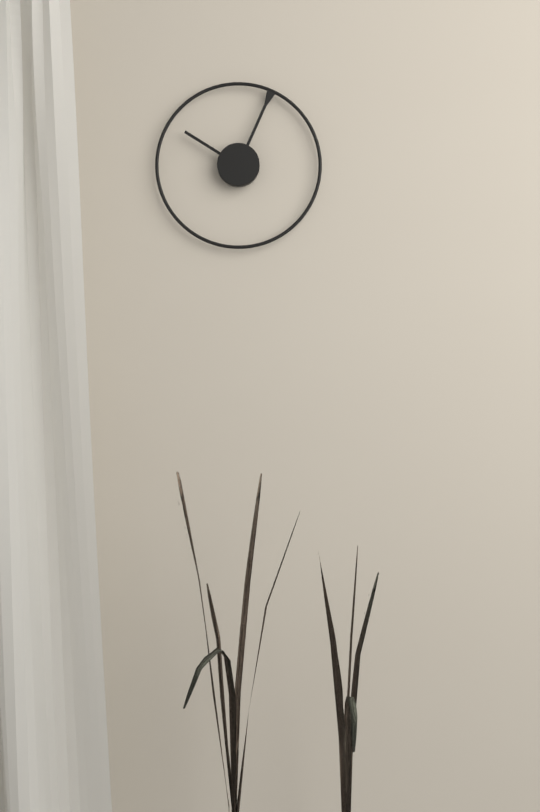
h=10 m=4
